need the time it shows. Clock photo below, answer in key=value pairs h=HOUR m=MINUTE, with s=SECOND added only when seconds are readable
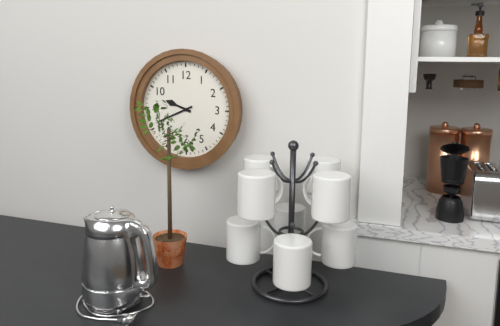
h=9 m=41
